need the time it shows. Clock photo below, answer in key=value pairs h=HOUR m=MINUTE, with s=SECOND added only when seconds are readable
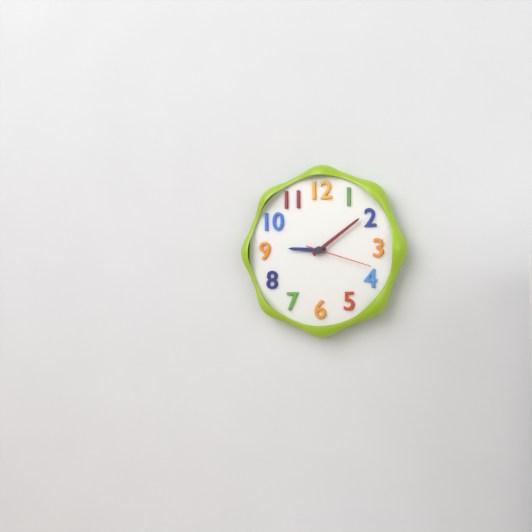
h=9 m=9 s=18
